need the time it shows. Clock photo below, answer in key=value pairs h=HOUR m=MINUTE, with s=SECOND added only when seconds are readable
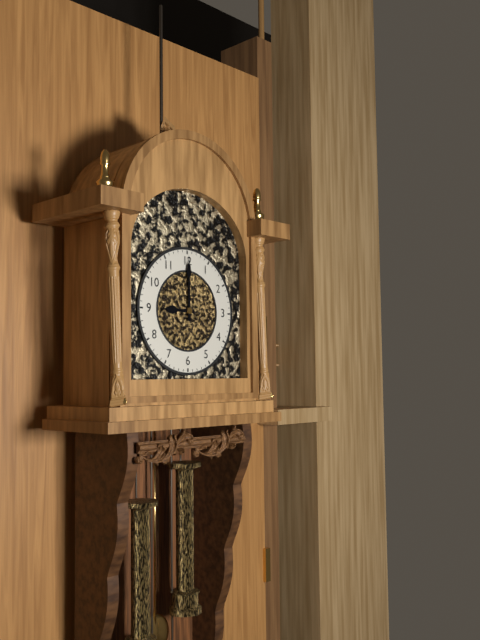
h=9 m=0
